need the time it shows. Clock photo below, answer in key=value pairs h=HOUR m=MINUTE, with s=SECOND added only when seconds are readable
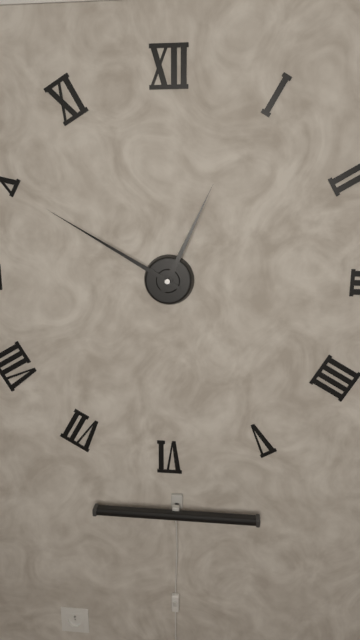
h=12 m=50
